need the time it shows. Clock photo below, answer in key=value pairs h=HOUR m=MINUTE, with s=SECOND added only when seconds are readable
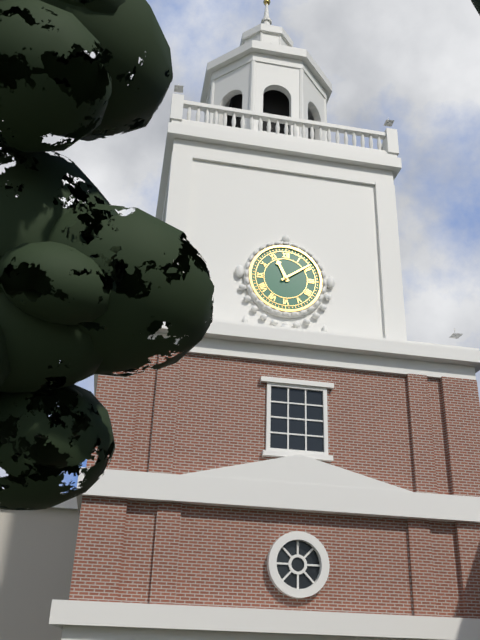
h=11 m=9
